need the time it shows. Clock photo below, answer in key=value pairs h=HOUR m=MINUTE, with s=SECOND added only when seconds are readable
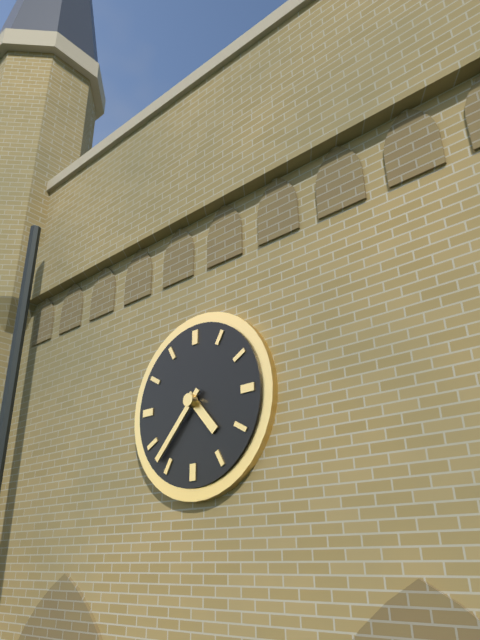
h=4 m=37
